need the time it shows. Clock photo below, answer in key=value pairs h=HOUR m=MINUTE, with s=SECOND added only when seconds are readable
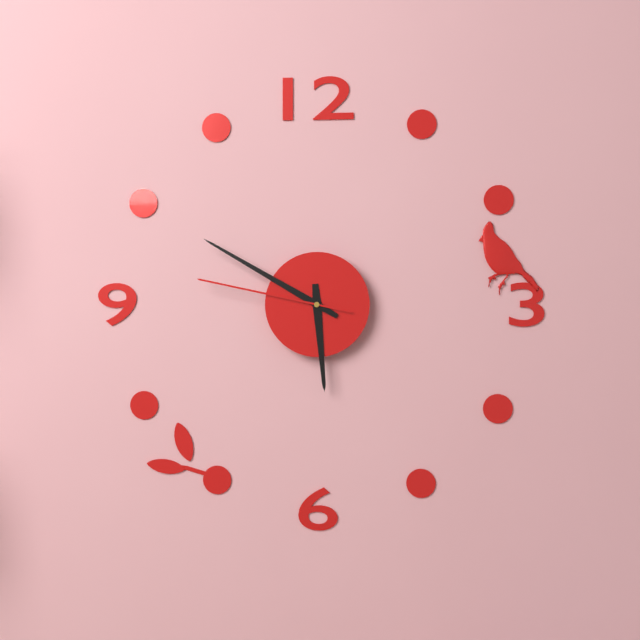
h=5 m=50 s=47
